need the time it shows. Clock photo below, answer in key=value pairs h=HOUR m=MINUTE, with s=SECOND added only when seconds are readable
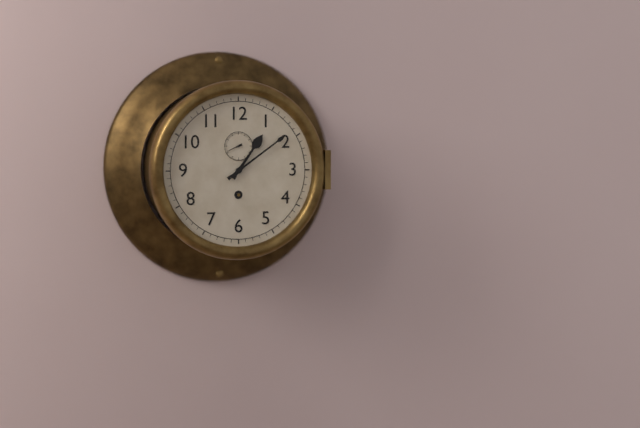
h=1 m=9
